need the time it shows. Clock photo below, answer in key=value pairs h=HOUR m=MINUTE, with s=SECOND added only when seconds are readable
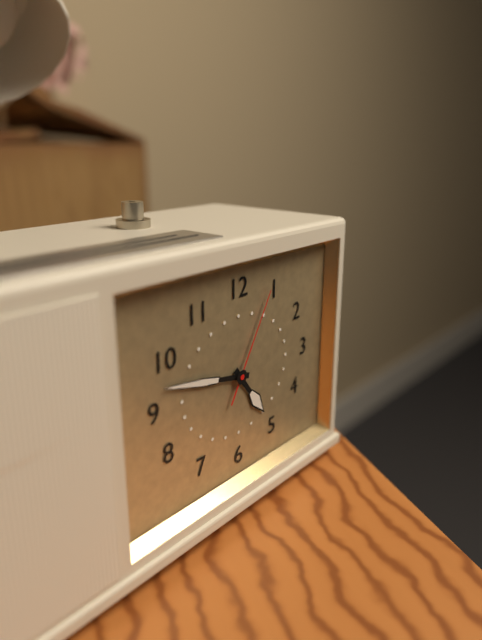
h=4 m=47 s=5
